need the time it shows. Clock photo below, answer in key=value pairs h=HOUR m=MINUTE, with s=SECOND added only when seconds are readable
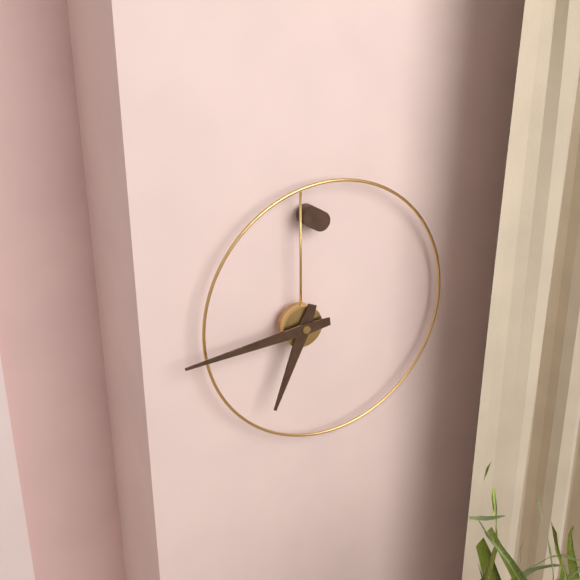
h=6 m=44
